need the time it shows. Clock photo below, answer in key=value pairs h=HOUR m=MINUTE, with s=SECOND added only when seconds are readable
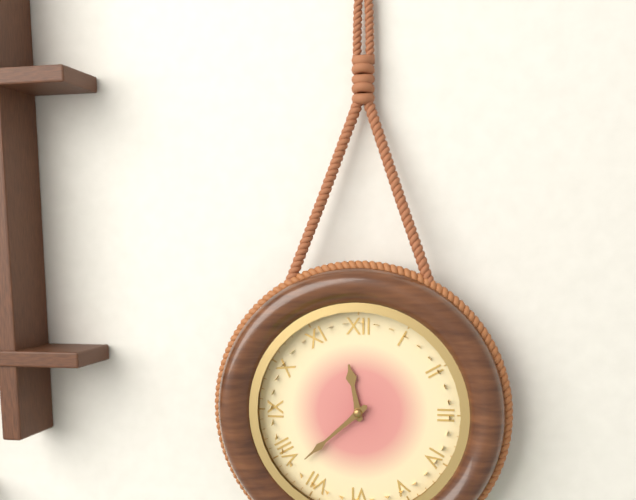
h=11 m=38
